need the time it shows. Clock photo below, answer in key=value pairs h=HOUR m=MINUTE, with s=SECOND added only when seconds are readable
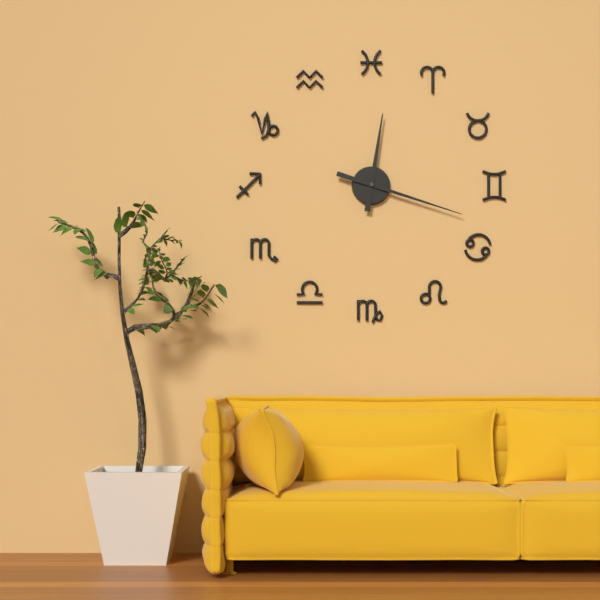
h=12 m=18
